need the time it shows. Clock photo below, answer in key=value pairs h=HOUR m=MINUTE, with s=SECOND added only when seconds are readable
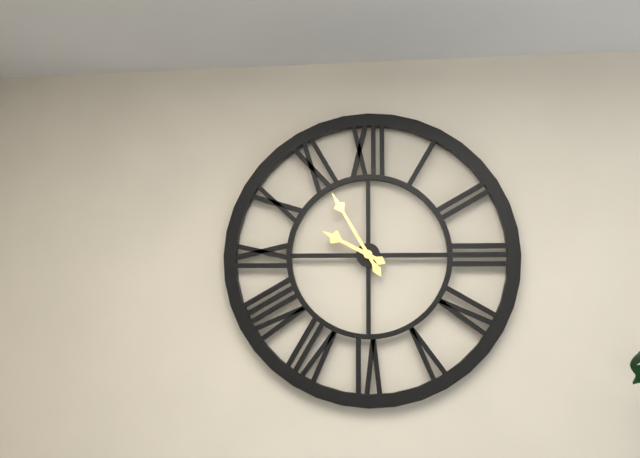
h=9 m=55
